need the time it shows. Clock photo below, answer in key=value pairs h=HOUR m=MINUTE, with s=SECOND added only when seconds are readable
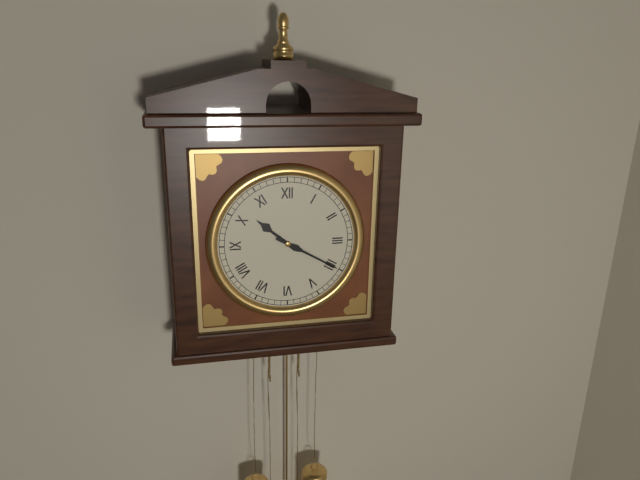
h=10 m=20
